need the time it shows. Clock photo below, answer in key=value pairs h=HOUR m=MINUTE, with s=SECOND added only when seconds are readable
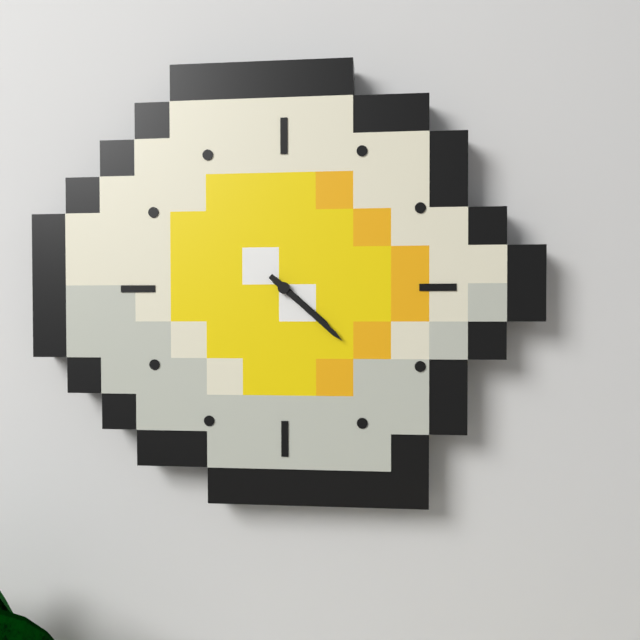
h=4 m=22
